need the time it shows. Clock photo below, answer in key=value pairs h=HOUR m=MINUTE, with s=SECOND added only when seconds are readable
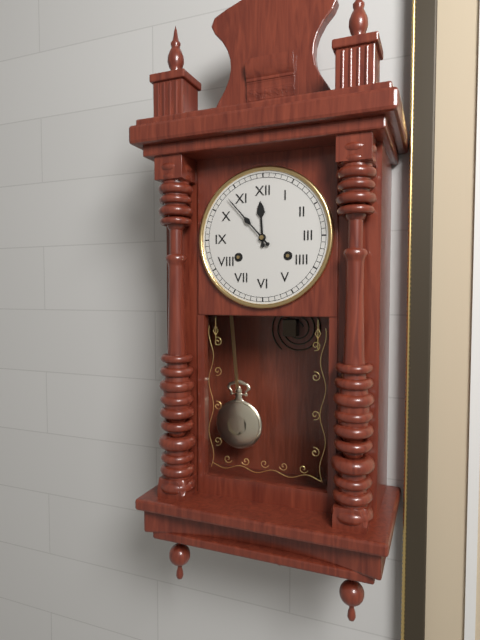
h=11 m=53
